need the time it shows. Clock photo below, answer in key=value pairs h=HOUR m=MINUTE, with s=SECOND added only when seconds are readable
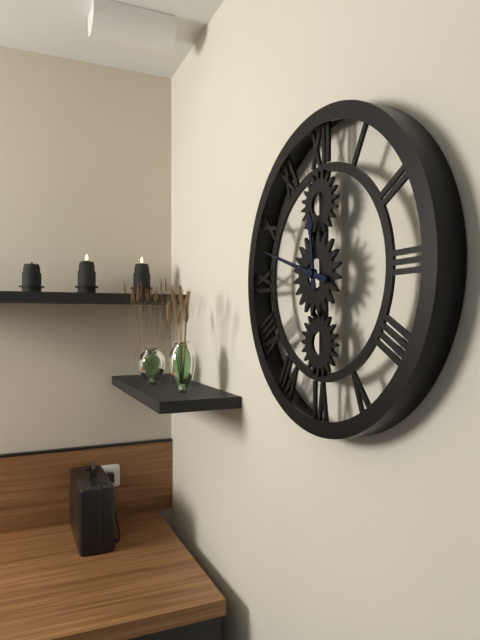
h=11 m=48
